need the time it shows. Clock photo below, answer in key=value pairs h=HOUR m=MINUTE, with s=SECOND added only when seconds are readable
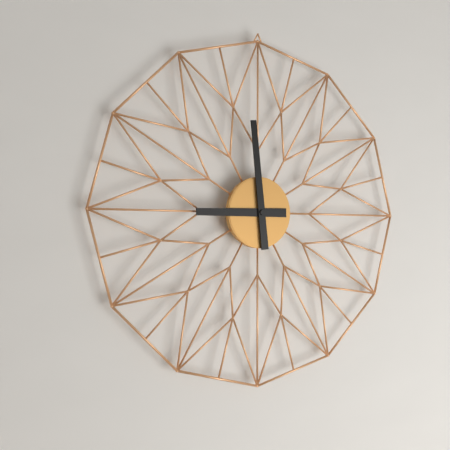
h=8 m=59
